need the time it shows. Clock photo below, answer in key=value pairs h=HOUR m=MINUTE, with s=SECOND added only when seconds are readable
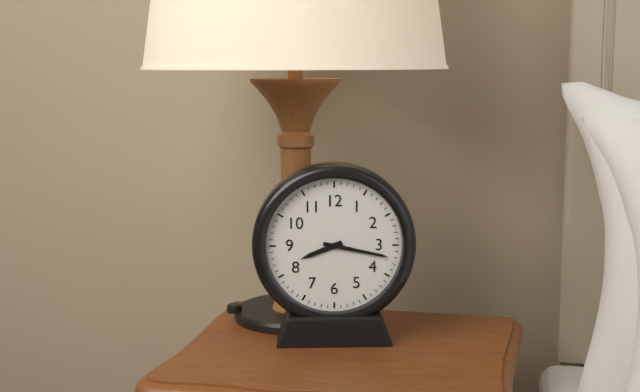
h=8 m=17
